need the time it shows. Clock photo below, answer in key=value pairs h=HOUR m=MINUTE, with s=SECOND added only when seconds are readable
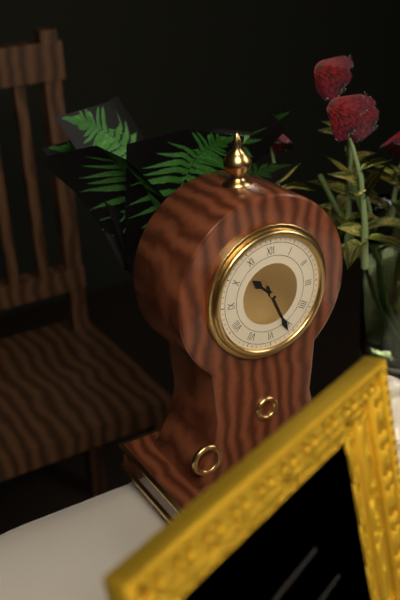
h=10 m=26
